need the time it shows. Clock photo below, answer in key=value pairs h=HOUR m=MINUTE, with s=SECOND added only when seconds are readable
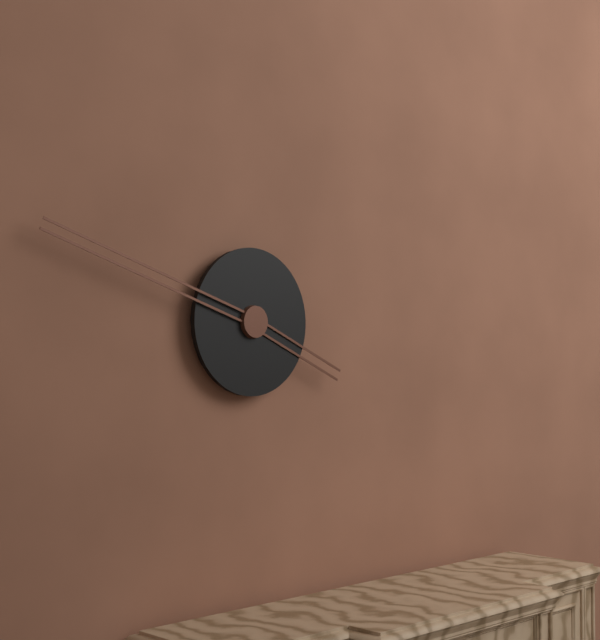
h=3 m=48
